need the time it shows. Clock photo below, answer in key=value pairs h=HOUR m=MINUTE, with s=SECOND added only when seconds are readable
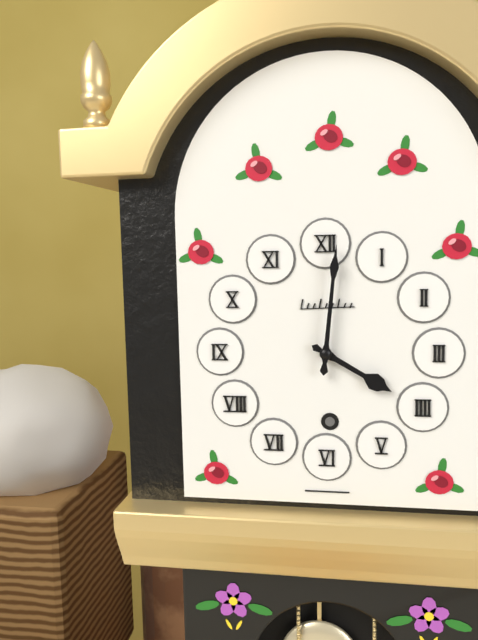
h=4 m=1
